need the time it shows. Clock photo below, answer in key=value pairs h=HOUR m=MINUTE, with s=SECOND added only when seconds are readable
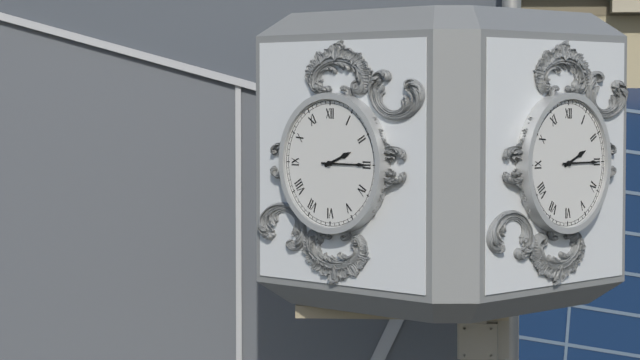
h=2 m=15
